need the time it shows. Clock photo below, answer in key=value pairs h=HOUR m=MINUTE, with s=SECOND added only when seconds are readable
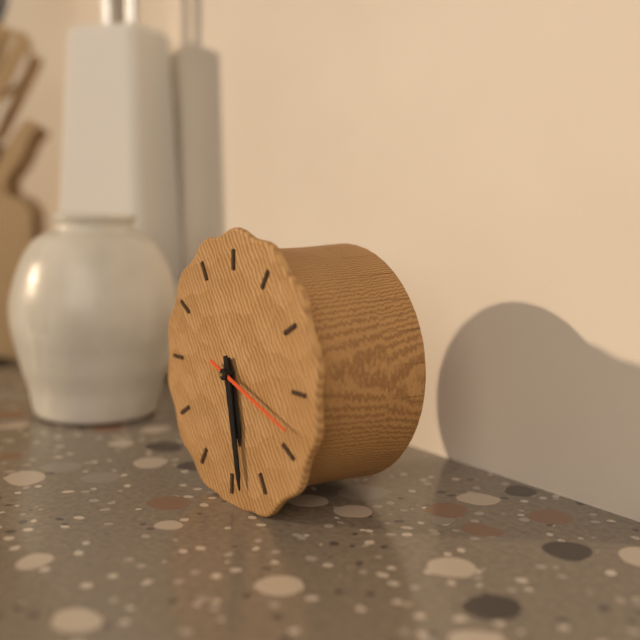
h=5 m=28 s=18
